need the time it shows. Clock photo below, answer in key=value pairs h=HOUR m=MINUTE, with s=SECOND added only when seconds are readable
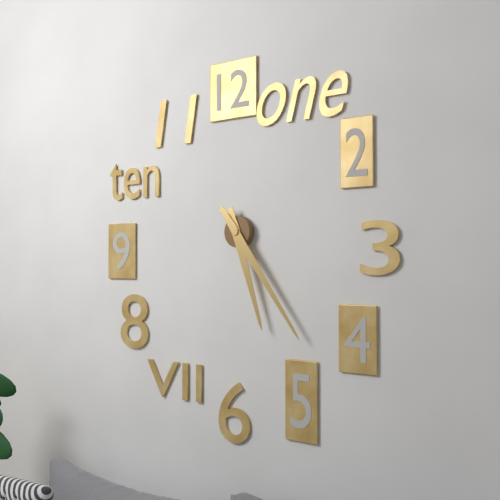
h=5 m=24
